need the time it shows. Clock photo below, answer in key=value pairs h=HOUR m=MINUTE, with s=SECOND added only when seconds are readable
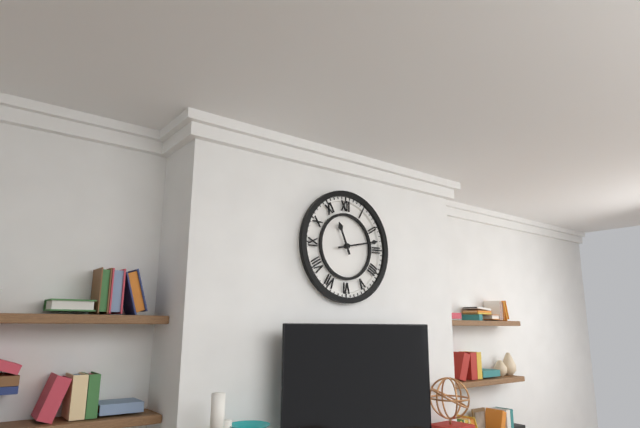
h=11 m=13
